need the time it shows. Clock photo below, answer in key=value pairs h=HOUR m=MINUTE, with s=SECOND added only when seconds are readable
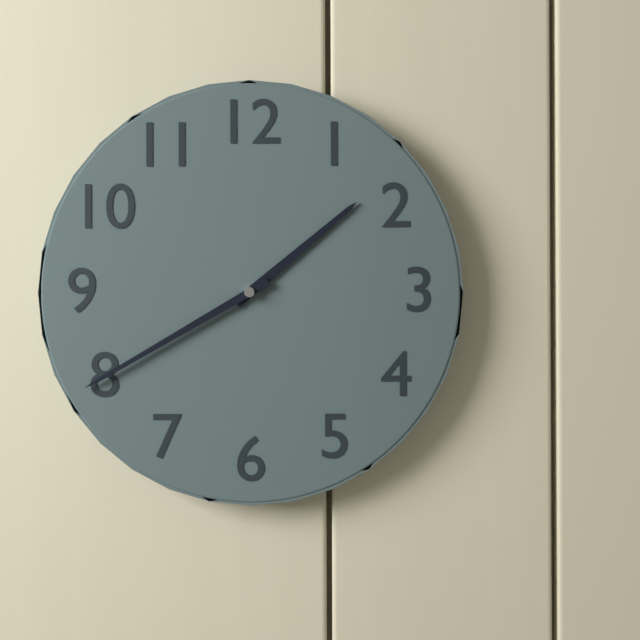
h=1 m=40
